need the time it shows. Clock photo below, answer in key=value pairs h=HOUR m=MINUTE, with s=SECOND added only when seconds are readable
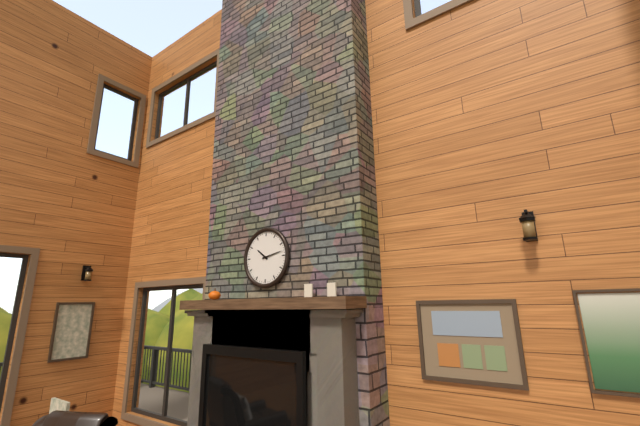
h=10 m=13
